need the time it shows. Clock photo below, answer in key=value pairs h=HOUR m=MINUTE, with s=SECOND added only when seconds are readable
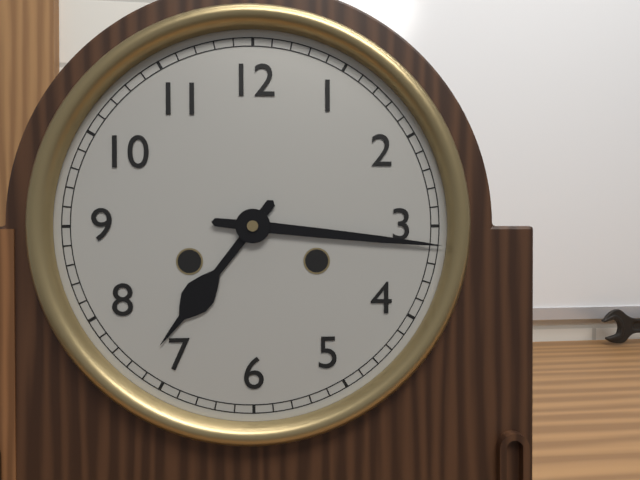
h=7 m=16
